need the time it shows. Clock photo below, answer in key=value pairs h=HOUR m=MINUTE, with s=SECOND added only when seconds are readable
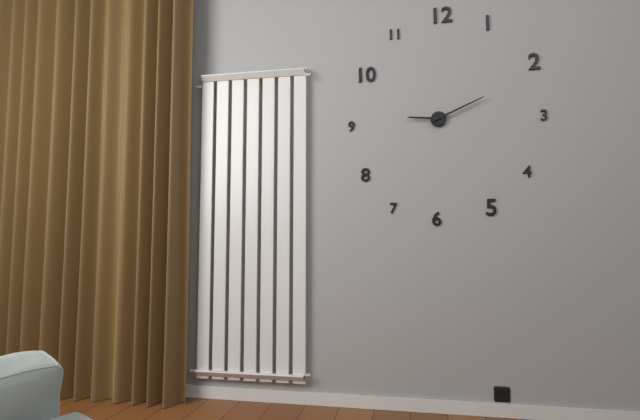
h=9 m=11
